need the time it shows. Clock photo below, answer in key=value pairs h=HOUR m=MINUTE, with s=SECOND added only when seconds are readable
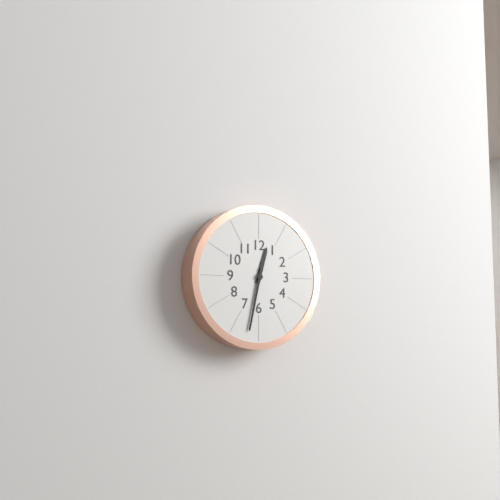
h=12 m=32
